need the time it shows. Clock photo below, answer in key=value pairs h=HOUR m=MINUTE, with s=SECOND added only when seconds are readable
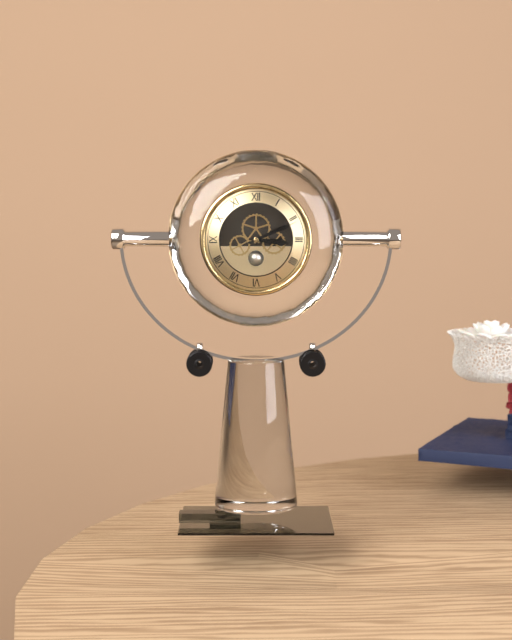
h=3 m=11
